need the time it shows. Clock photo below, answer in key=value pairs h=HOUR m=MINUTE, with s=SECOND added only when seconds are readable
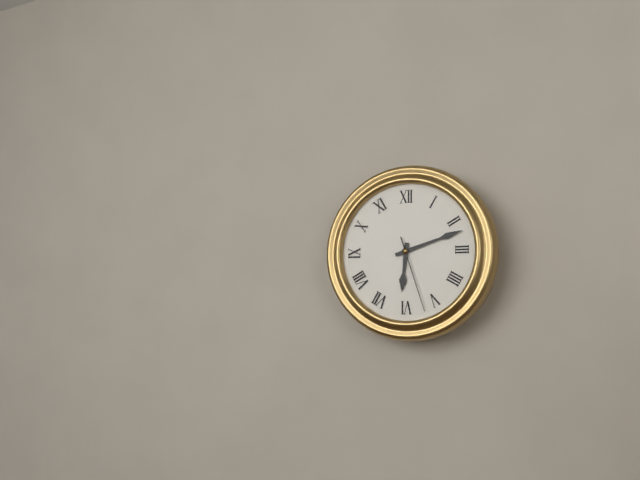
h=6 m=12 s=27
